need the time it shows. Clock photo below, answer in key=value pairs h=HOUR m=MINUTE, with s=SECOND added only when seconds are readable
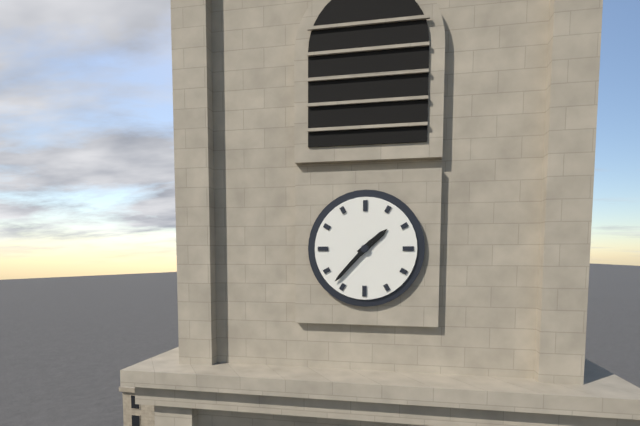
h=1 m=37
